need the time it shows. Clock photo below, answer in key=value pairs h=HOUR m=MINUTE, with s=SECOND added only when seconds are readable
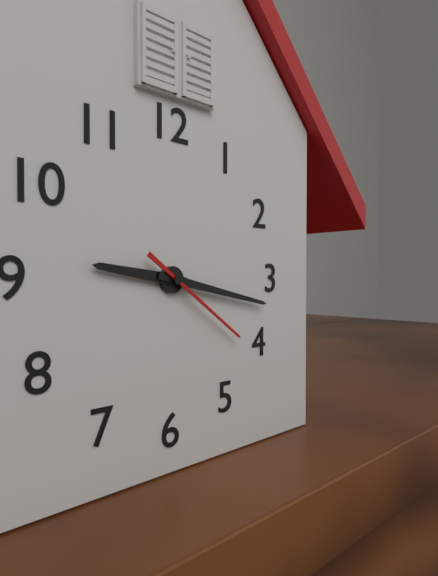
h=9 m=17 s=21
